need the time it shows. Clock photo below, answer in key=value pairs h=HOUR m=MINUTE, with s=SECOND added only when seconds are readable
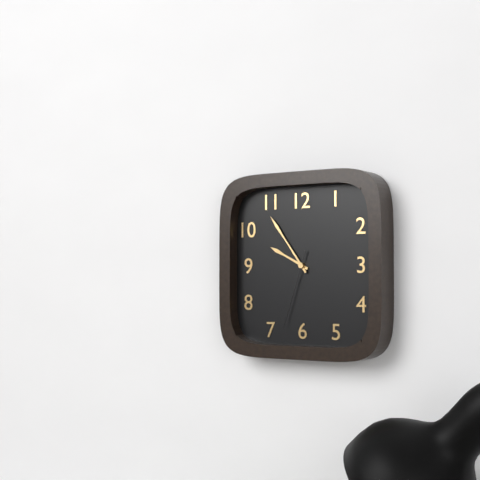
h=9 m=54 s=33
